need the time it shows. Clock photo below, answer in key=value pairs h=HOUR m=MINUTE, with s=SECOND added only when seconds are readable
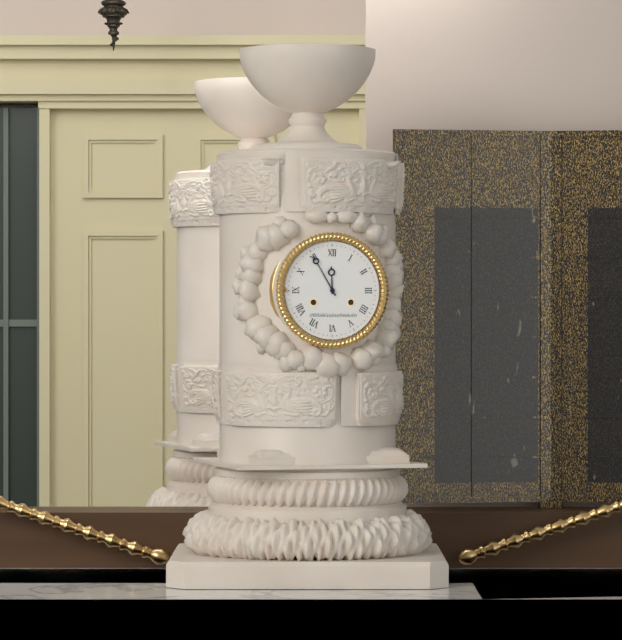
h=11 m=55
